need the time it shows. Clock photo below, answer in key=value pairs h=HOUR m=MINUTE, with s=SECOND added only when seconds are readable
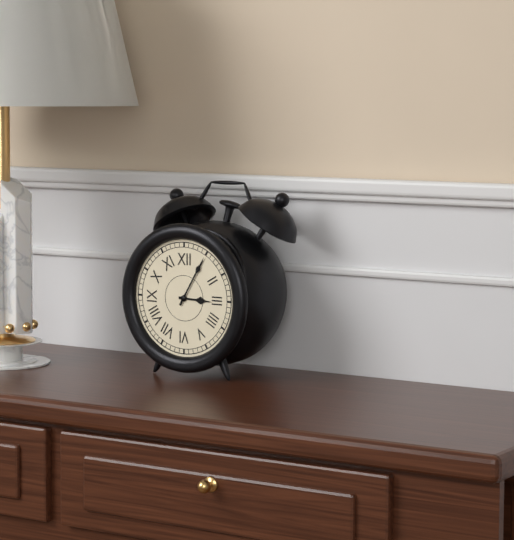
h=3 m=5
